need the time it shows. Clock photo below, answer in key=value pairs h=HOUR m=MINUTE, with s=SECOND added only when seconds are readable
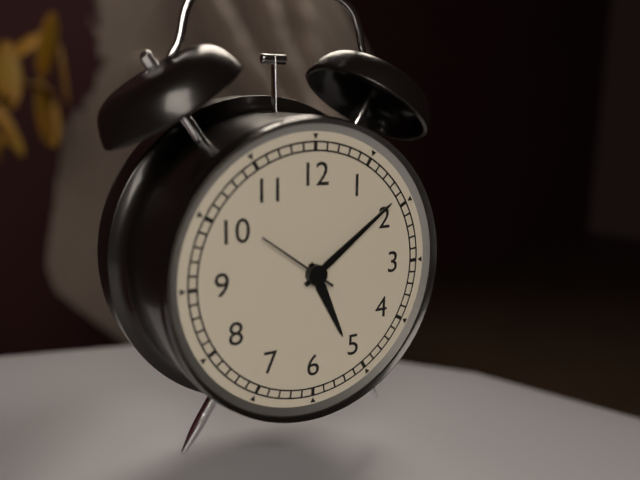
h=5 m=9
